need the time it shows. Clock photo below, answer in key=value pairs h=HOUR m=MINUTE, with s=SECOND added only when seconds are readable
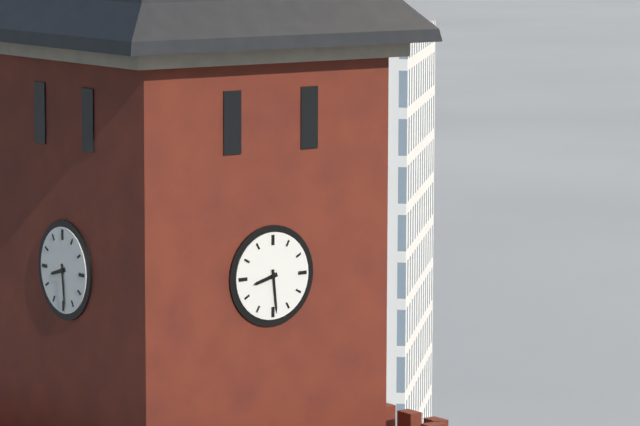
h=8 m=29
